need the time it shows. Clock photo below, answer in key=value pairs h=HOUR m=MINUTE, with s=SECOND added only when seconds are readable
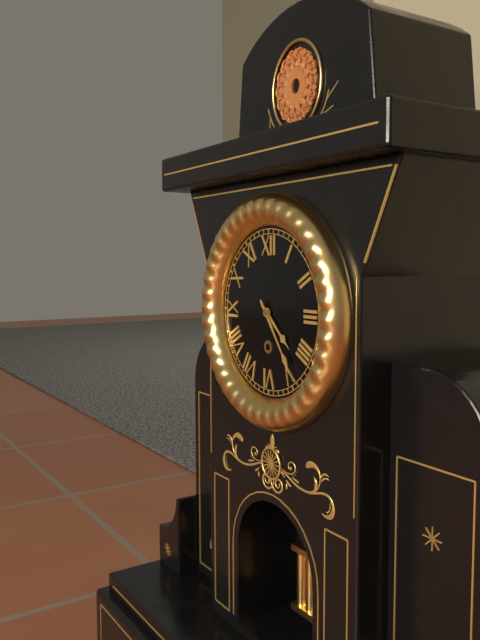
h=4 m=24
